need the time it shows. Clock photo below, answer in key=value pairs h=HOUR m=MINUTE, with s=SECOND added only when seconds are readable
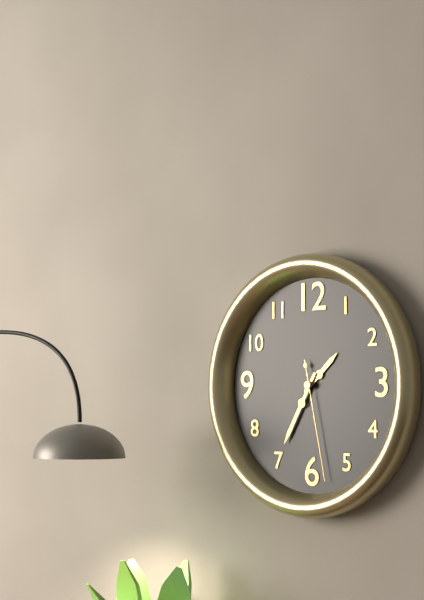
h=1 m=35 s=28
